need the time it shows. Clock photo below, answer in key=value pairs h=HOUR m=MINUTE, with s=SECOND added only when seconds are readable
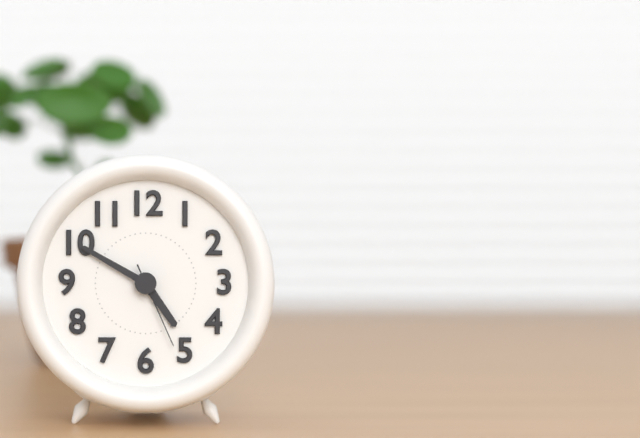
h=4 m=50 s=26
